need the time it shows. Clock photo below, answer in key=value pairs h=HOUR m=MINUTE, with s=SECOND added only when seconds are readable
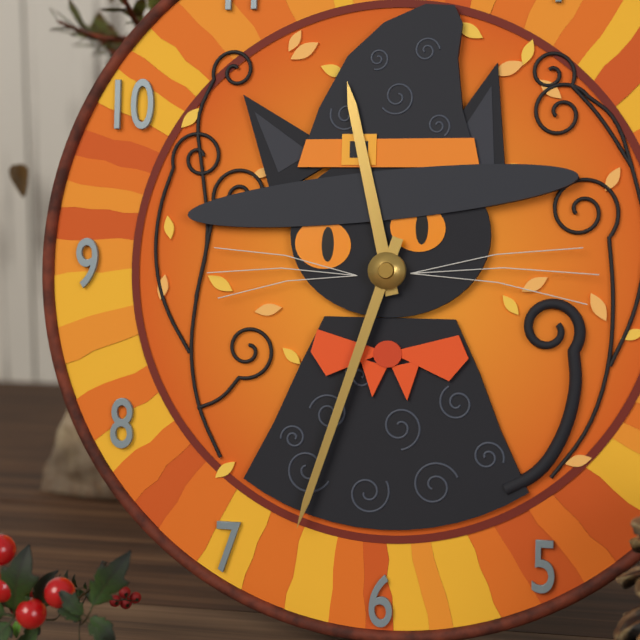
h=11 m=33
